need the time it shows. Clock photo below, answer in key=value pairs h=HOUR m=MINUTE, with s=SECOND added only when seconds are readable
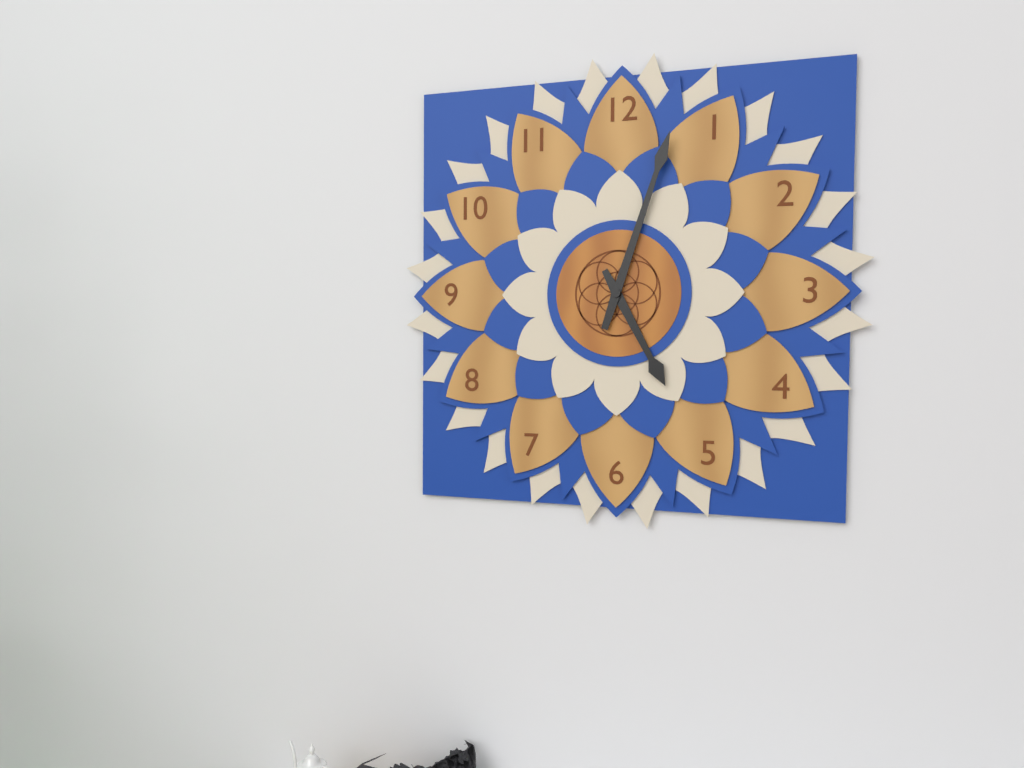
h=5 m=3
